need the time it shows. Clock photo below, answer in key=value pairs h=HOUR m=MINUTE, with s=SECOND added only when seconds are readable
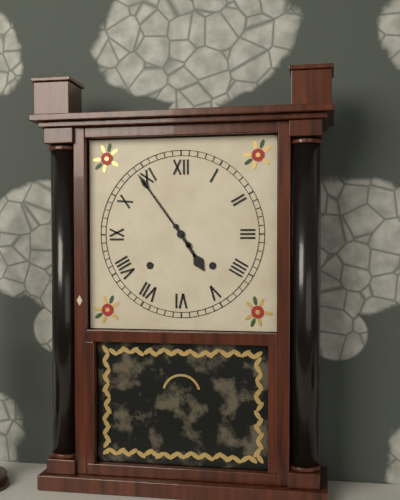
h=4 m=54
